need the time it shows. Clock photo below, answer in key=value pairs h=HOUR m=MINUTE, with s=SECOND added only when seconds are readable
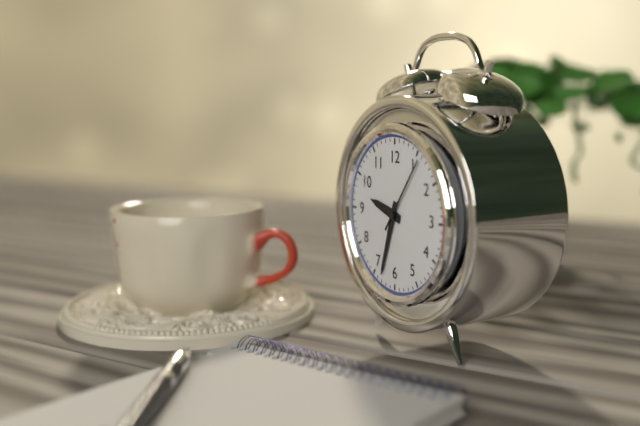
h=9 m=33 s=6
